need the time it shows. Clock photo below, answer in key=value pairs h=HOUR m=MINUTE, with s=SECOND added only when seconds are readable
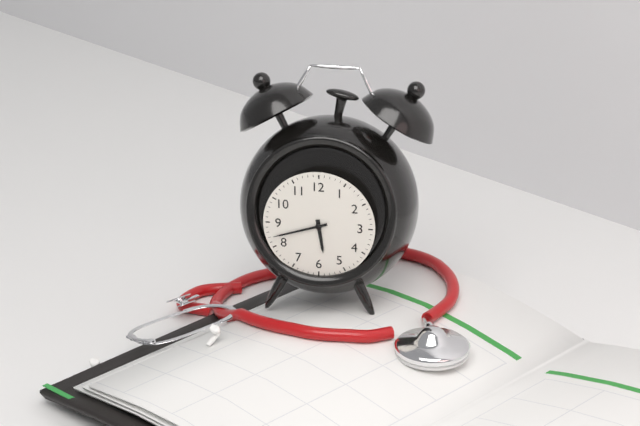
h=5 m=42
